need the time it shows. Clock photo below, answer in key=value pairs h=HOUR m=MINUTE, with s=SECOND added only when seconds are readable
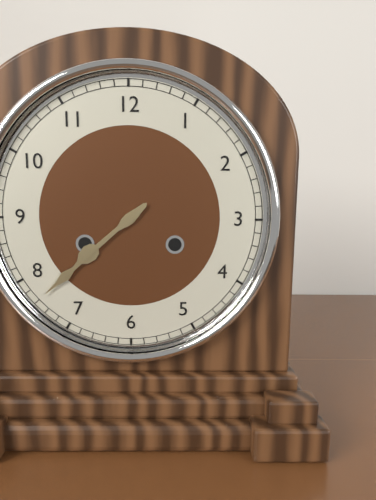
h=7 m=38
